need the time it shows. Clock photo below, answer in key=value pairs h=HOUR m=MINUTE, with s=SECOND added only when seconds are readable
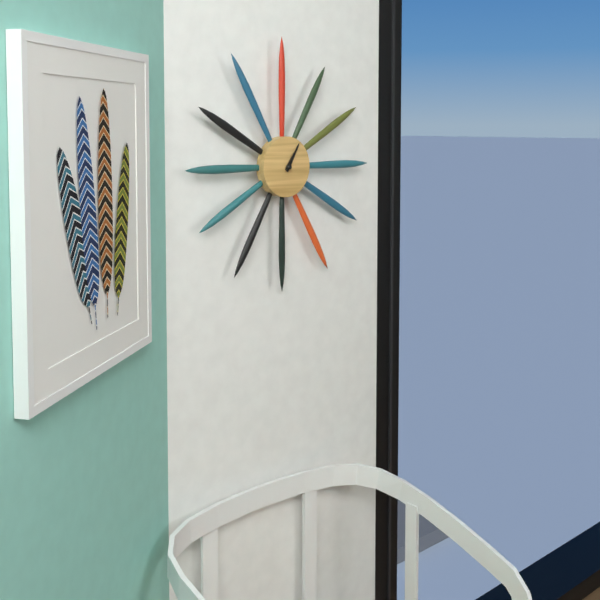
h=1 m=5
